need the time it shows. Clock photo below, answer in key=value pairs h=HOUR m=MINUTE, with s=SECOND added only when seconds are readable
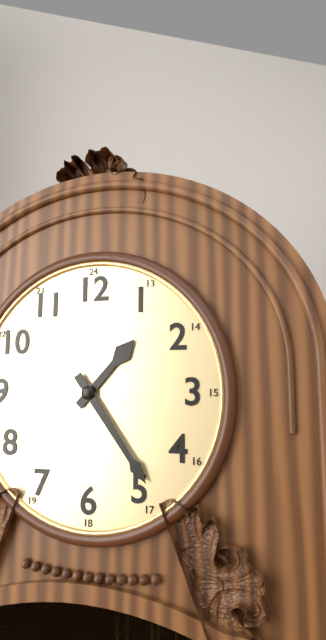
h=1 m=24
